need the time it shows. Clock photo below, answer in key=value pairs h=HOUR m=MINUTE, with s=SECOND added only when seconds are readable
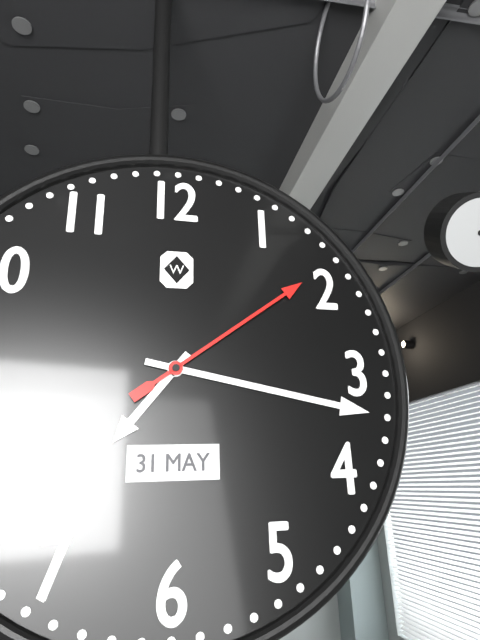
h=7 m=17 s=9
